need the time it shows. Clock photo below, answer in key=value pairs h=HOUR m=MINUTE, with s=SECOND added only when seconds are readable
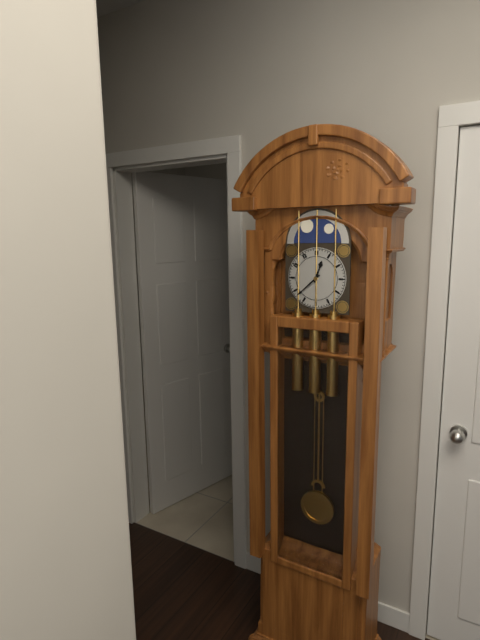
h=12 m=38
